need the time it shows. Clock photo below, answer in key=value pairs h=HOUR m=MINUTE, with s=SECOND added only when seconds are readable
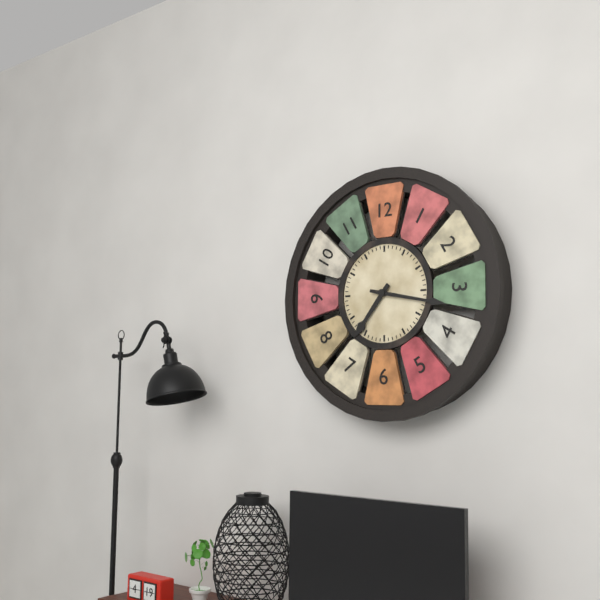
h=7 m=17
